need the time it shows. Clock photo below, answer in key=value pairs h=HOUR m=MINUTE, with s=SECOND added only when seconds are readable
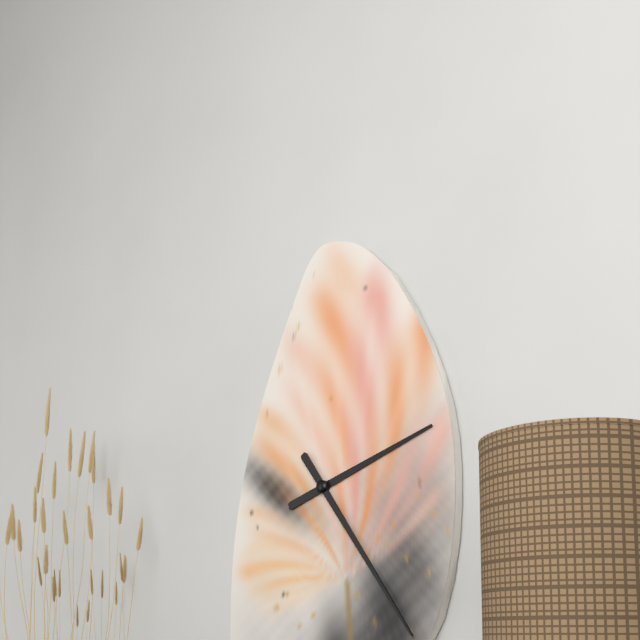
h=2 m=24
